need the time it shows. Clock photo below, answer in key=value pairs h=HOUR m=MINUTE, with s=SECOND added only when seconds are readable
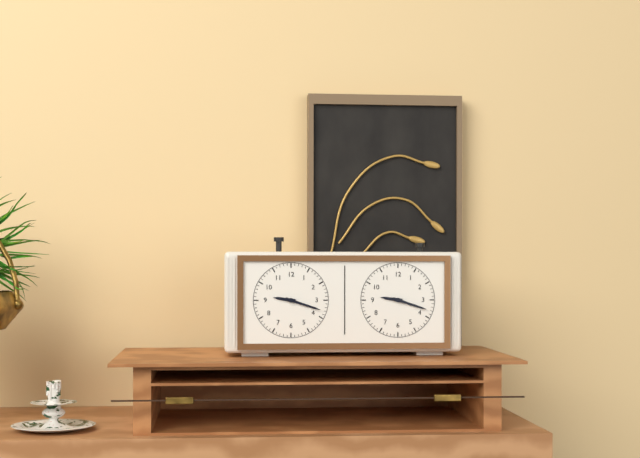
h=9 m=18
